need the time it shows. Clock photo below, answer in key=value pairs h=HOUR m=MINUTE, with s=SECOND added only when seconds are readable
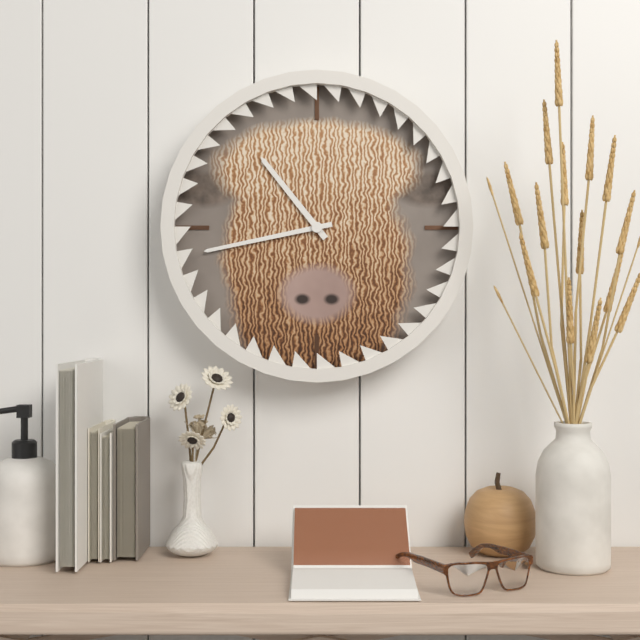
h=10 m=43
